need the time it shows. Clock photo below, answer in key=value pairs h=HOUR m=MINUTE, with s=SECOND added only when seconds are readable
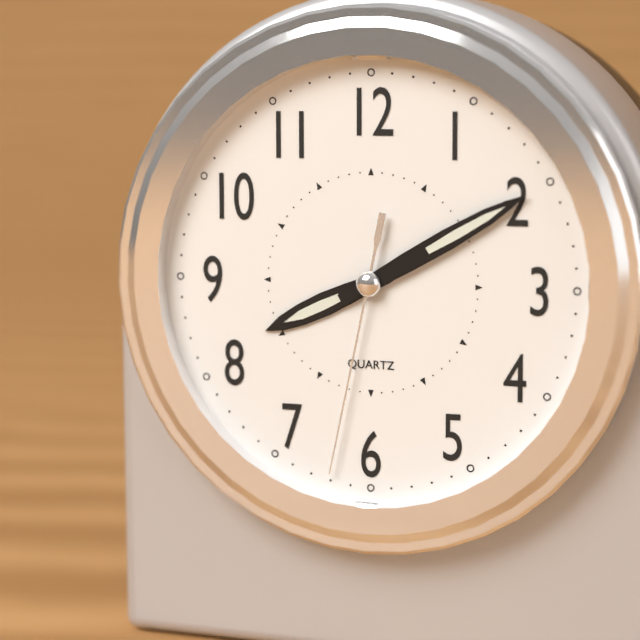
h=8 m=10 s=32
